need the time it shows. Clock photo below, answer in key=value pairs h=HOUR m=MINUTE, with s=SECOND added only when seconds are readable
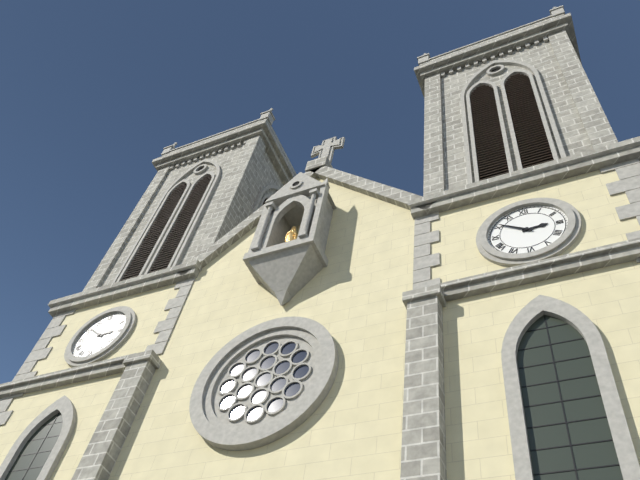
h=2 m=51
